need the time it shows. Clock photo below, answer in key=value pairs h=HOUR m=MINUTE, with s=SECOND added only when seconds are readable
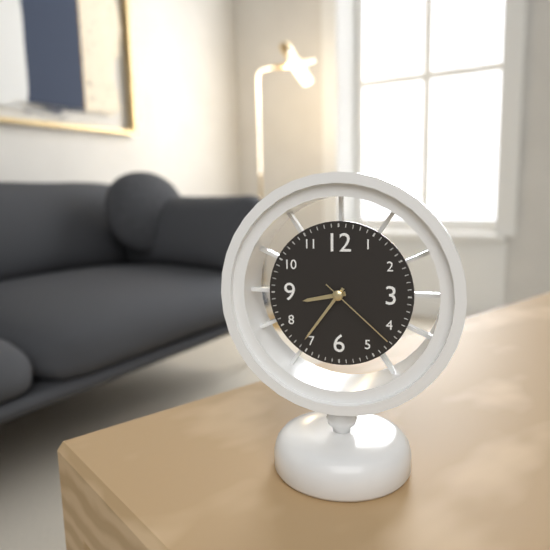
h=8 m=36 s=22
